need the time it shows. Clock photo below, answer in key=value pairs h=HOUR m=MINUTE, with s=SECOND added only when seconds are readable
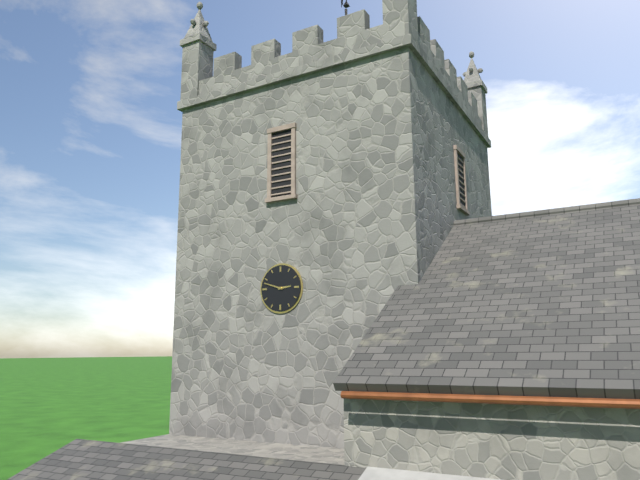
h=2 m=48
